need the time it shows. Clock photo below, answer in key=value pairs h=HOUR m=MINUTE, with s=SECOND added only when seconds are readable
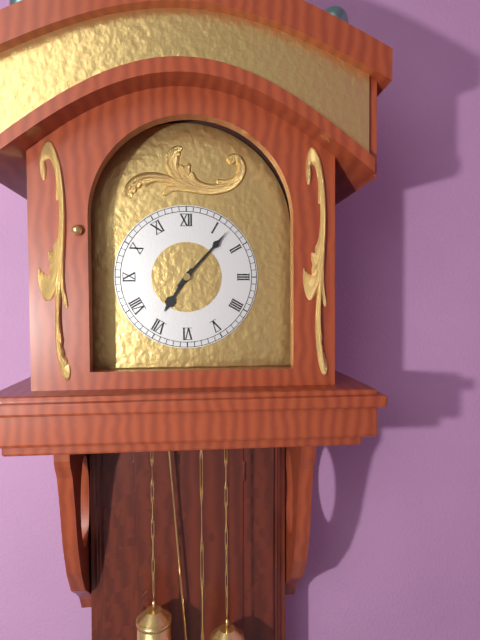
h=7 m=7
